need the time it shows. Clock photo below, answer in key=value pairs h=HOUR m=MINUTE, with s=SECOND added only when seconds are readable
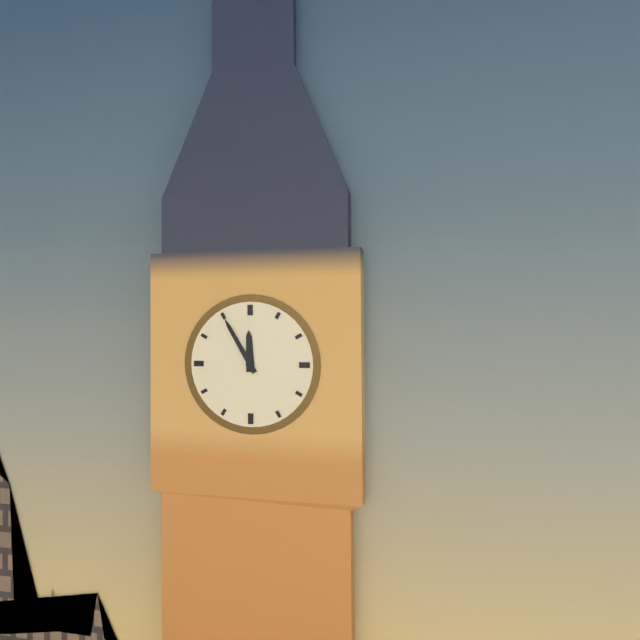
h=11 m=55
